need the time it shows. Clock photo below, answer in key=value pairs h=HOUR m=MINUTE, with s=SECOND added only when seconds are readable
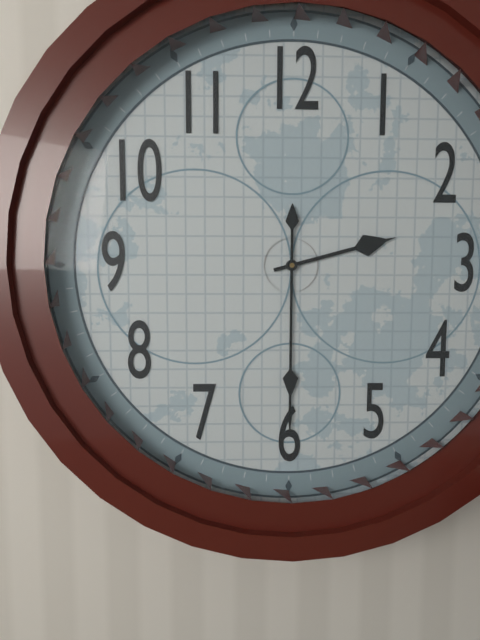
h=2 m=30
